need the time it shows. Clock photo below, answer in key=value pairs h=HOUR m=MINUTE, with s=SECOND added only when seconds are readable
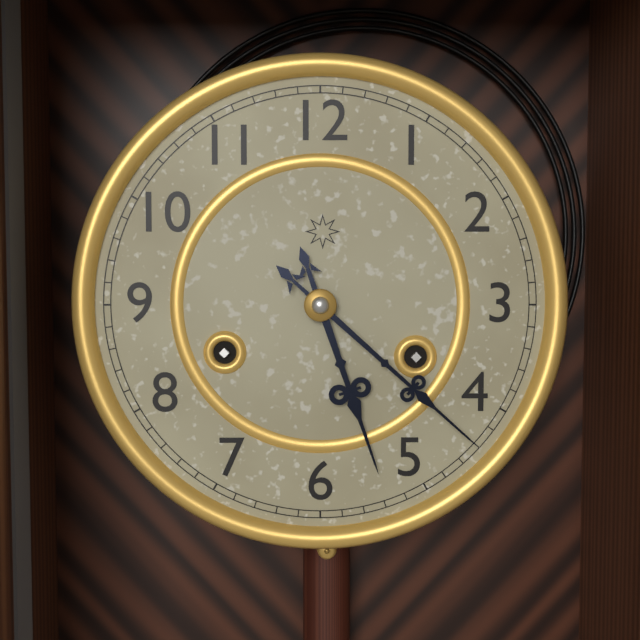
h=5 m=22
